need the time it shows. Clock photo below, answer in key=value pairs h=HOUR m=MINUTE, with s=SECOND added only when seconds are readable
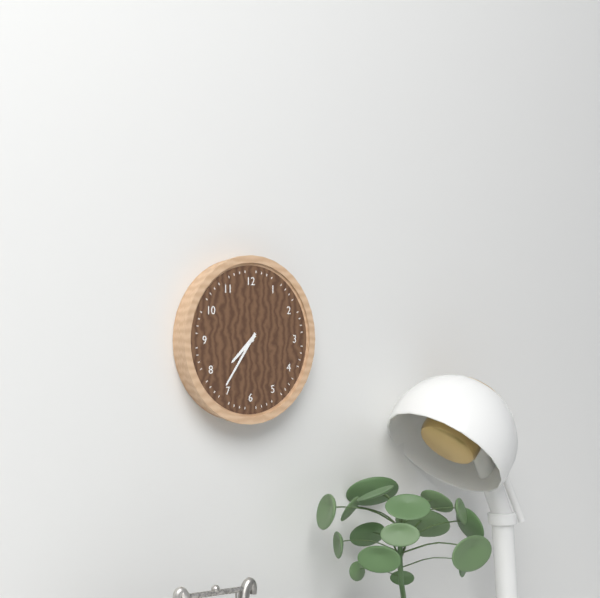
h=7 m=36
